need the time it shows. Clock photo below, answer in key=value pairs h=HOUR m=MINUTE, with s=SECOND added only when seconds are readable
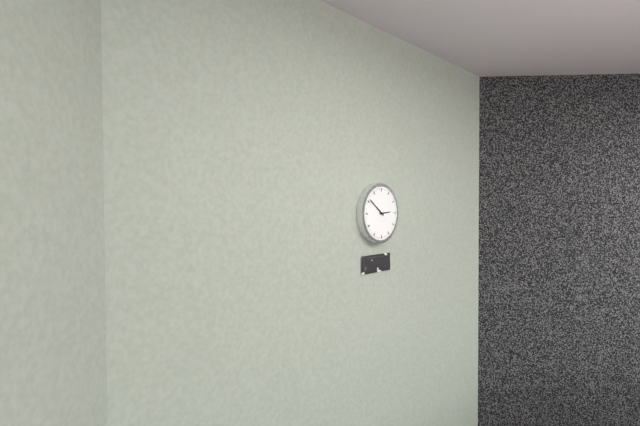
h=2 m=51
